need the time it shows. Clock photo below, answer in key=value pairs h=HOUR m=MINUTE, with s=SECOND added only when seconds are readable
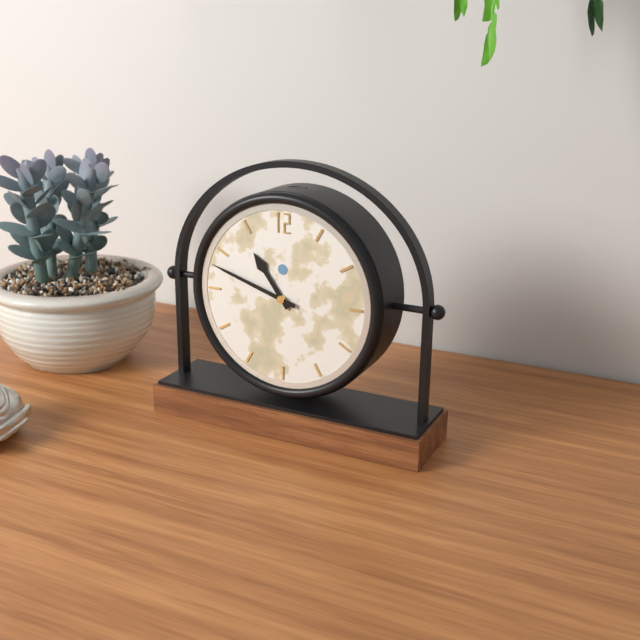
h=10 m=48
